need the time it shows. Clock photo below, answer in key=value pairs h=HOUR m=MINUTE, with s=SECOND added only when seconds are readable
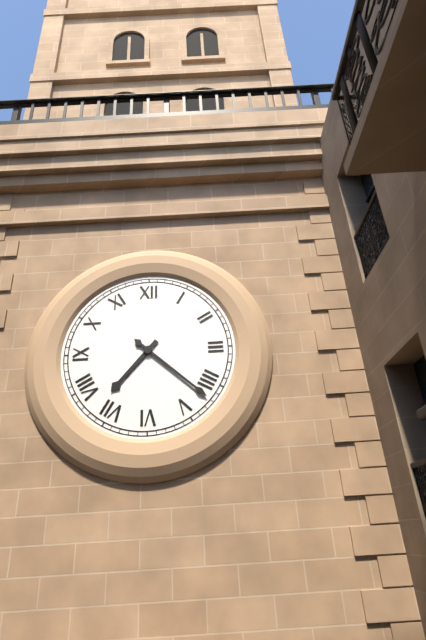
h=7 m=22
